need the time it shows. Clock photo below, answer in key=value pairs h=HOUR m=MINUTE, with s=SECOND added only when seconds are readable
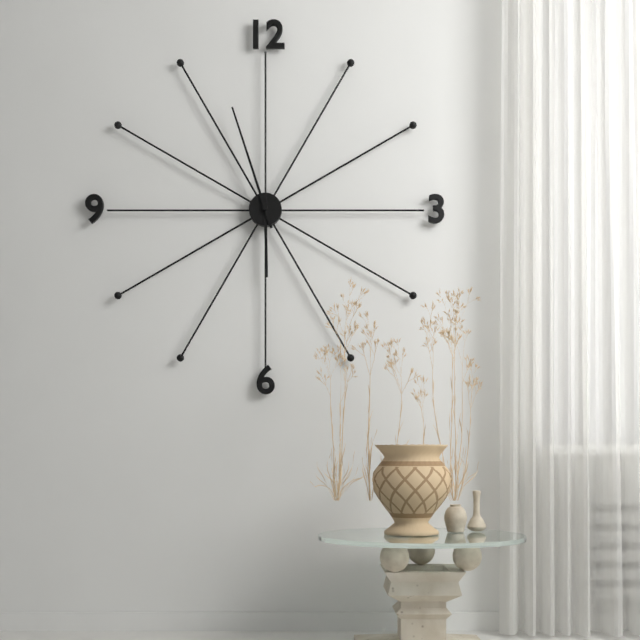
h=5 m=57
